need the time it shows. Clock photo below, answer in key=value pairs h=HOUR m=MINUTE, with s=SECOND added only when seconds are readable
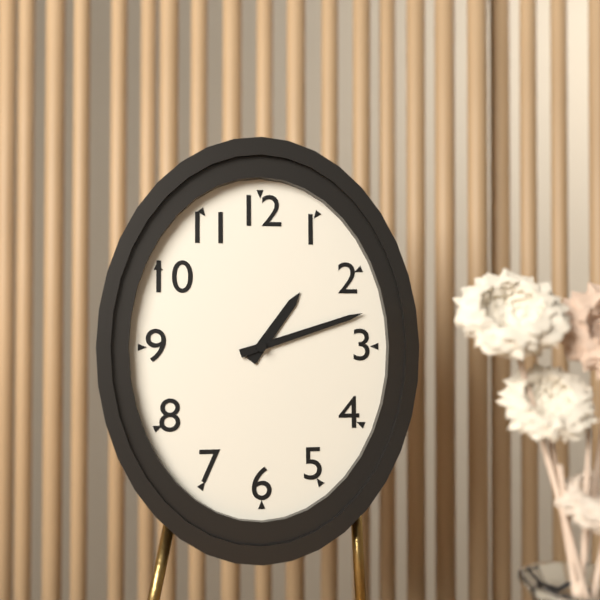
h=1 m=12
